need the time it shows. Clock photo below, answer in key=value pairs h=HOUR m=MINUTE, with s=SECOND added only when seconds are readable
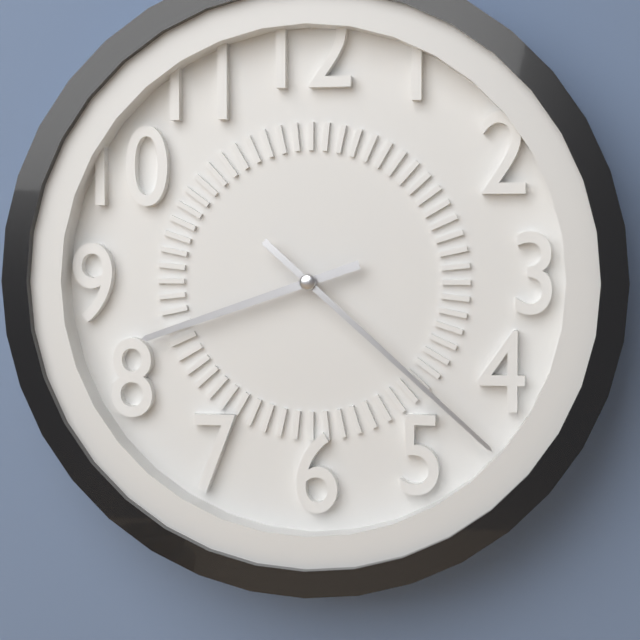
h=8 m=22
